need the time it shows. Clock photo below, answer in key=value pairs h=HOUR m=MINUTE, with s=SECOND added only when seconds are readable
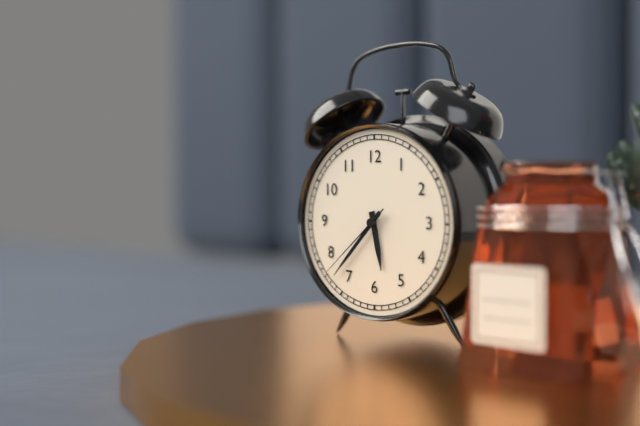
h=5 m=37 s=38
